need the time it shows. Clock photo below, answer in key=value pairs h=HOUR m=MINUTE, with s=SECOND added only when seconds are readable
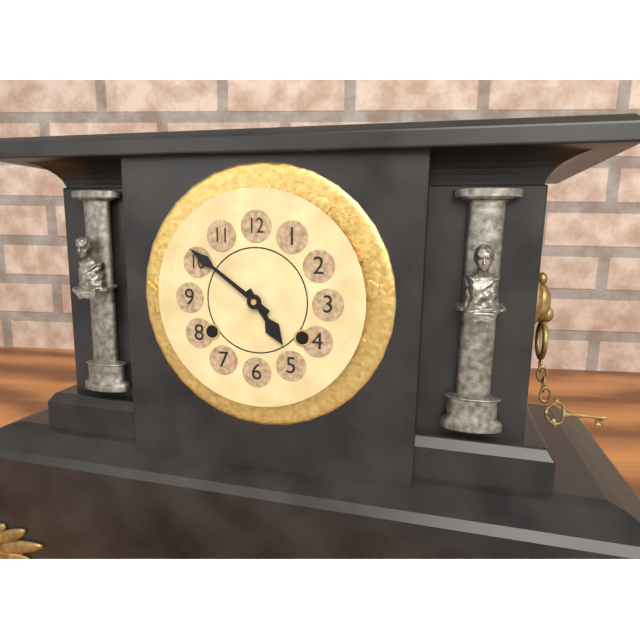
h=4 m=51
